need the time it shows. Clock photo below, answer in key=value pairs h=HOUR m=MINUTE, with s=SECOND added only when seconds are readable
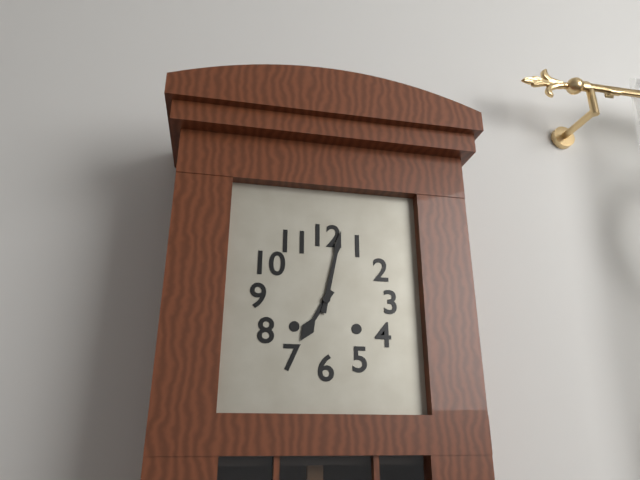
h=7 m=2
